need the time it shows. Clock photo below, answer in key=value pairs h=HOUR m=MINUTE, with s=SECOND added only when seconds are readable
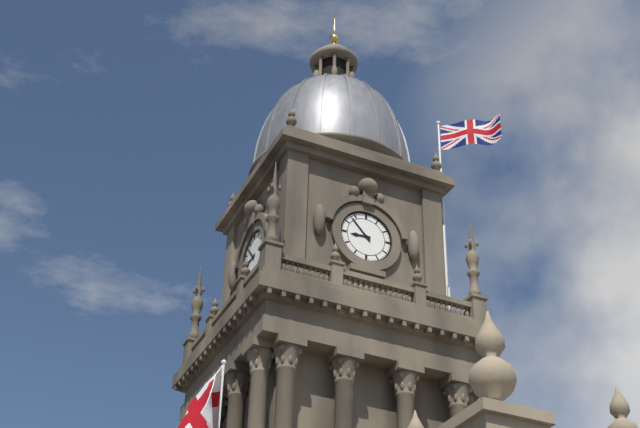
h=8 m=53
